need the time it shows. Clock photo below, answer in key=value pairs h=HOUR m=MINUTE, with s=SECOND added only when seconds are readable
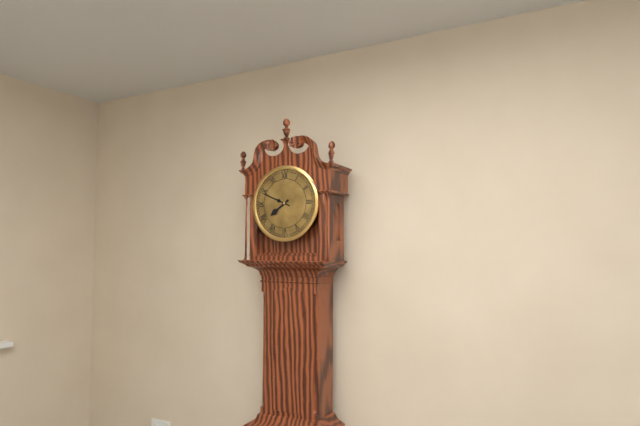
h=7 m=49
